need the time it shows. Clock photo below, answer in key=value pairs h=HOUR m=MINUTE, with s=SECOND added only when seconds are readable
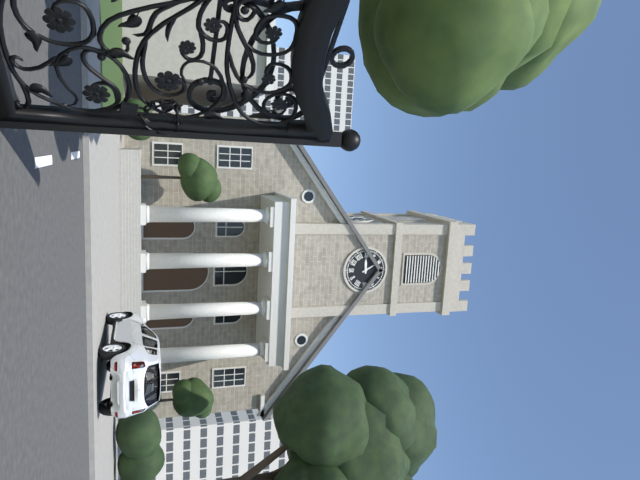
h=8 m=55
